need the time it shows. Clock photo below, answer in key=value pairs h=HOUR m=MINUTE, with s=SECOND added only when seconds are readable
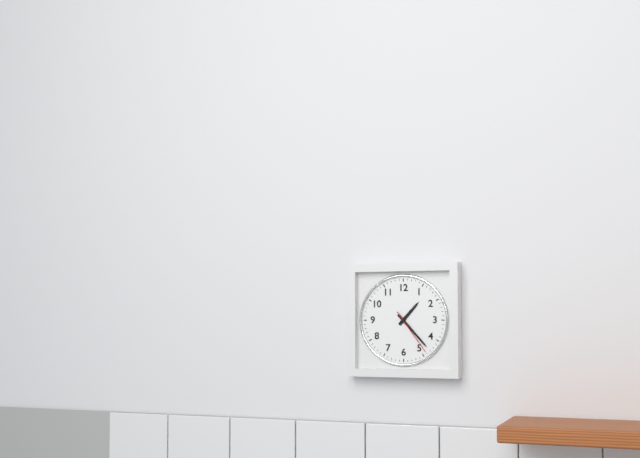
h=1 m=23
